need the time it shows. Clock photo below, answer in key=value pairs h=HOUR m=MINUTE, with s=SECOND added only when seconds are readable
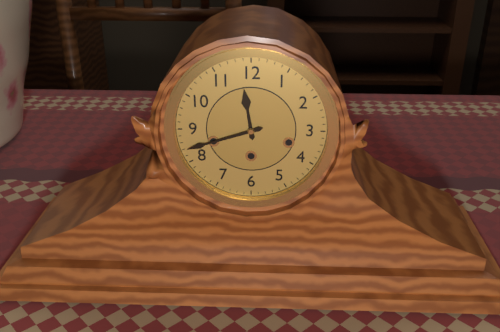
h=11 m=42
